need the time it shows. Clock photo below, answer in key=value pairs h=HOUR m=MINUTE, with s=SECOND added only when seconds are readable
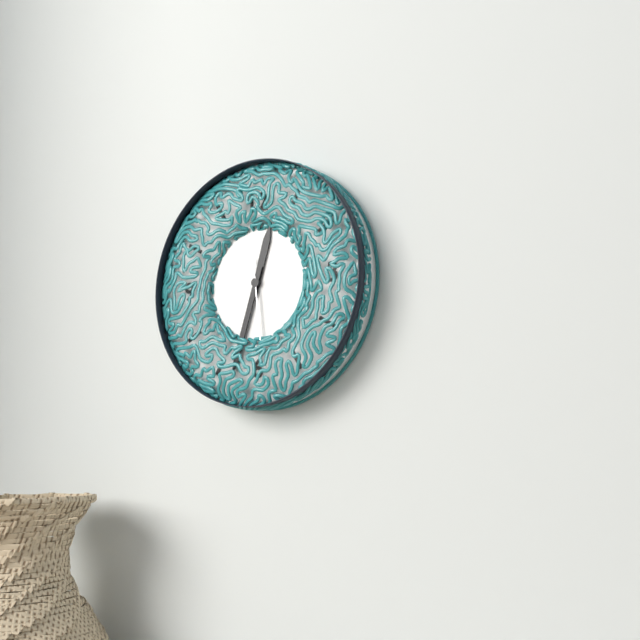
h=12 m=33 s=29
